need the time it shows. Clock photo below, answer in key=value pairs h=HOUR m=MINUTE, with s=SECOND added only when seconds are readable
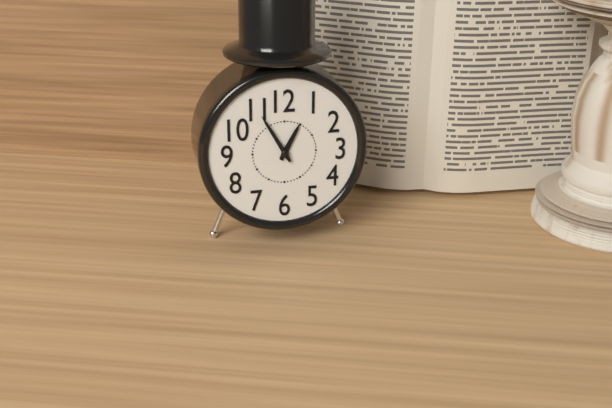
h=12 m=55
